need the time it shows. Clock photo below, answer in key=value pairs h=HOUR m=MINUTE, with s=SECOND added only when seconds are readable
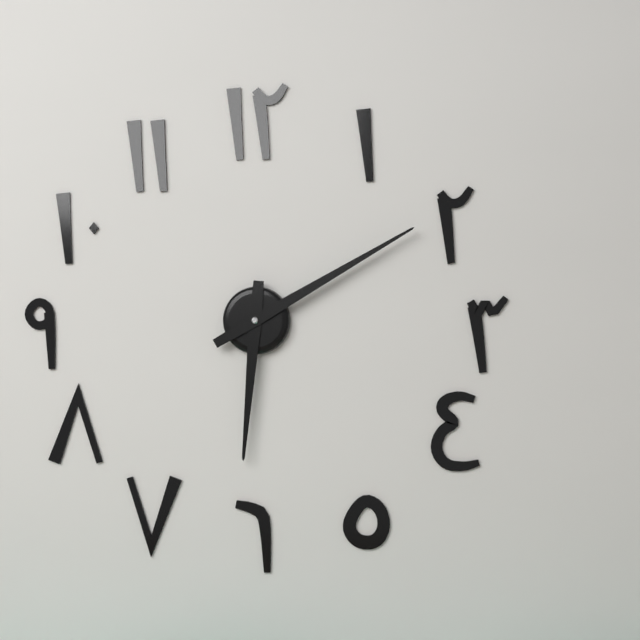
h=6 m=10
